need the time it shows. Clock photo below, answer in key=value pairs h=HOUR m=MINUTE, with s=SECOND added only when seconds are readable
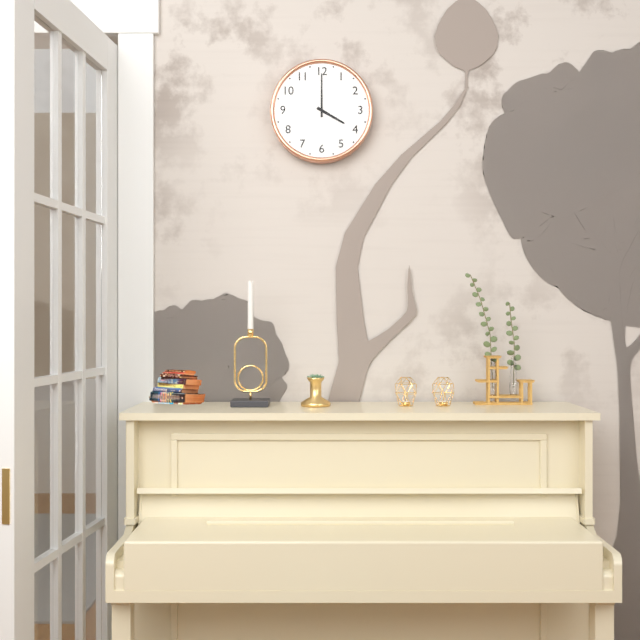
h=4 m=0
